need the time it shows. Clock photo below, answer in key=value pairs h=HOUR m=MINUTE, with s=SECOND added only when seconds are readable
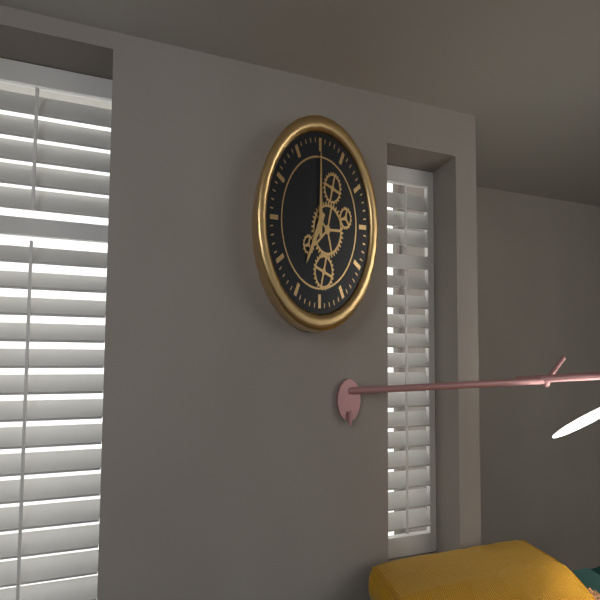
h=7 m=0
